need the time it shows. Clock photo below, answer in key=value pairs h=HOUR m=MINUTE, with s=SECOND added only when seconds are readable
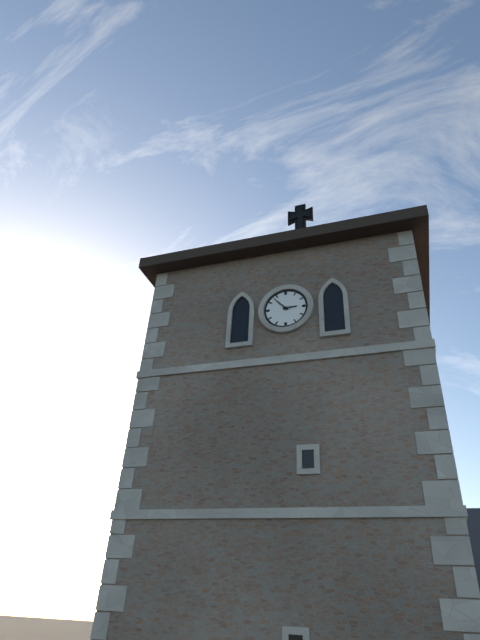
h=2 m=53
